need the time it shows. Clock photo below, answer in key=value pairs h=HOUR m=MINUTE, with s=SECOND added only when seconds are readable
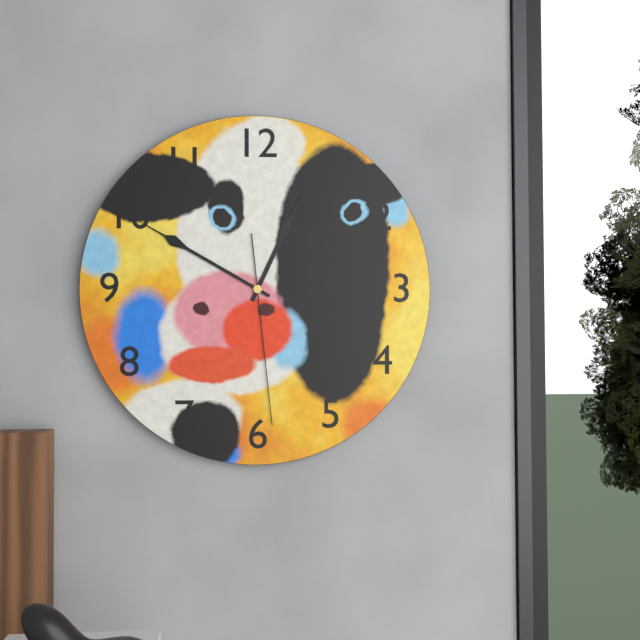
h=12 m=50 s=29
